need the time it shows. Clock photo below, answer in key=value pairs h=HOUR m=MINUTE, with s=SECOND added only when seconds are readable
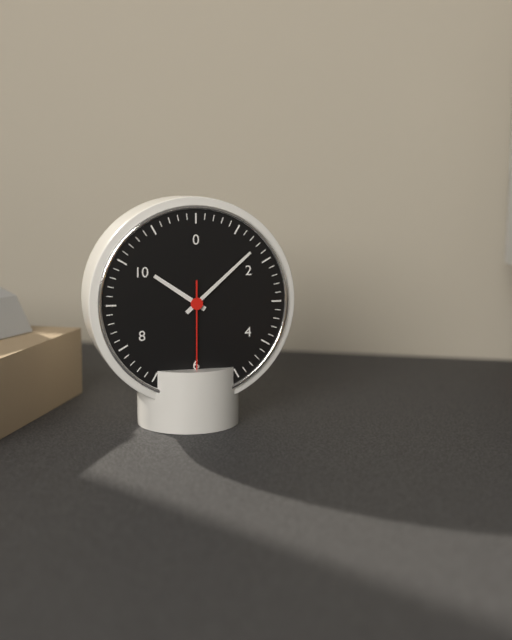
h=10 m=8 s=30
